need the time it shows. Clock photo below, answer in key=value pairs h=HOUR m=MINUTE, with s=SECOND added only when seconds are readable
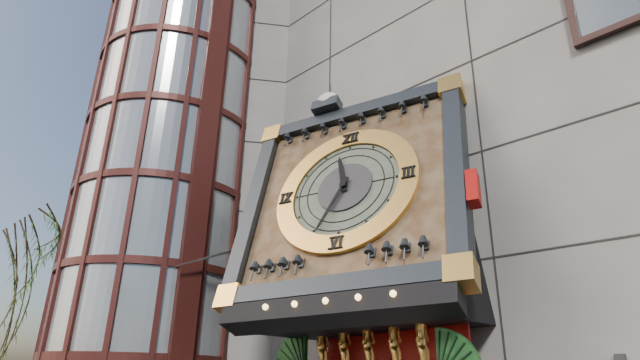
h=11 m=34
